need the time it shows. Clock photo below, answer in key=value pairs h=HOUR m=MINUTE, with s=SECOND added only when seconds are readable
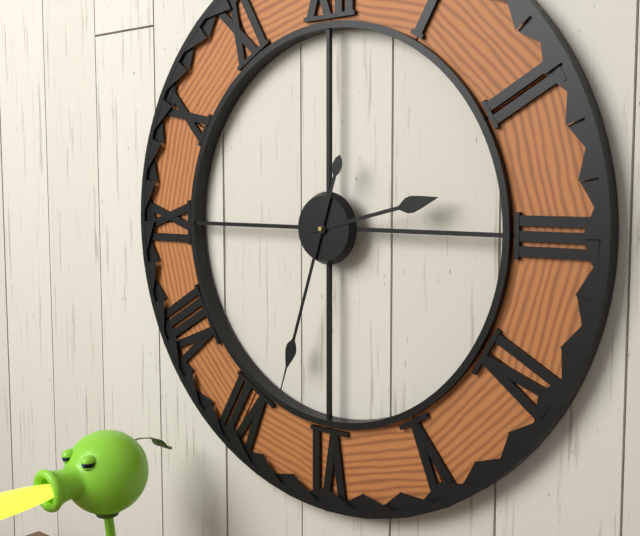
h=2 m=33
